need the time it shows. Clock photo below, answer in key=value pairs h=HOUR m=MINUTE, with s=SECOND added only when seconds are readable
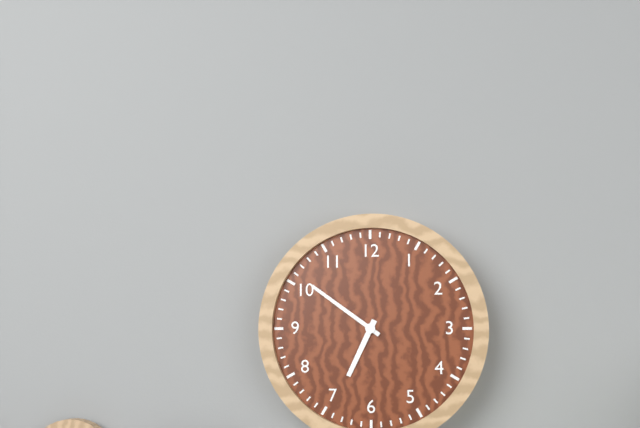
h=6 m=51
